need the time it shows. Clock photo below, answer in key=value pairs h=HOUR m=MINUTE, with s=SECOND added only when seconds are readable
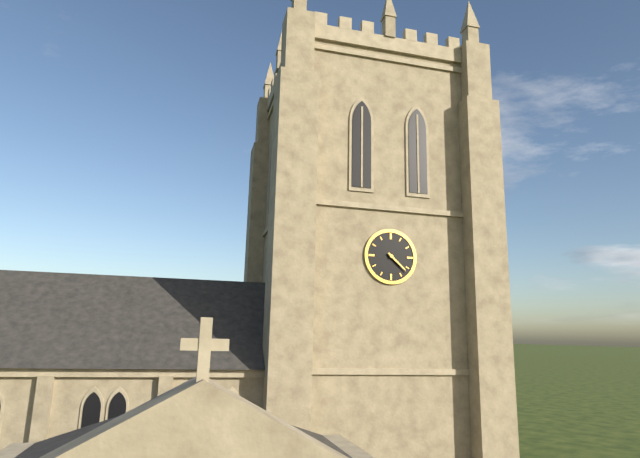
h=4 m=22
